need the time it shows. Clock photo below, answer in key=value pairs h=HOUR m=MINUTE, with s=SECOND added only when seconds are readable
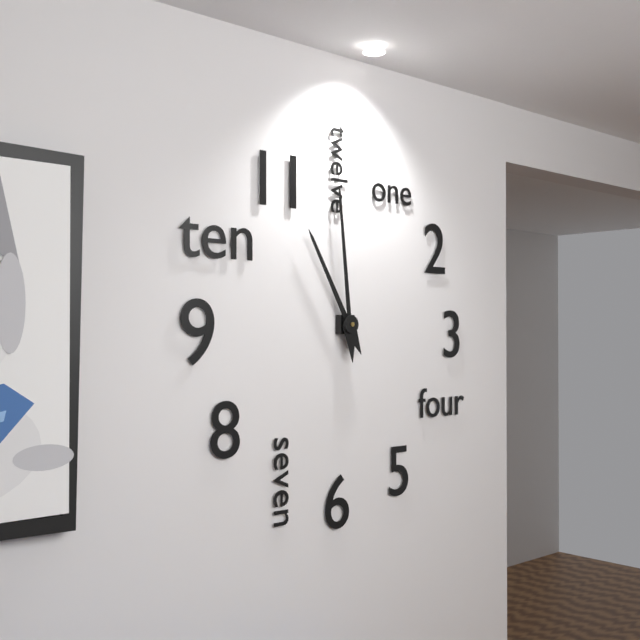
h=10 m=59
